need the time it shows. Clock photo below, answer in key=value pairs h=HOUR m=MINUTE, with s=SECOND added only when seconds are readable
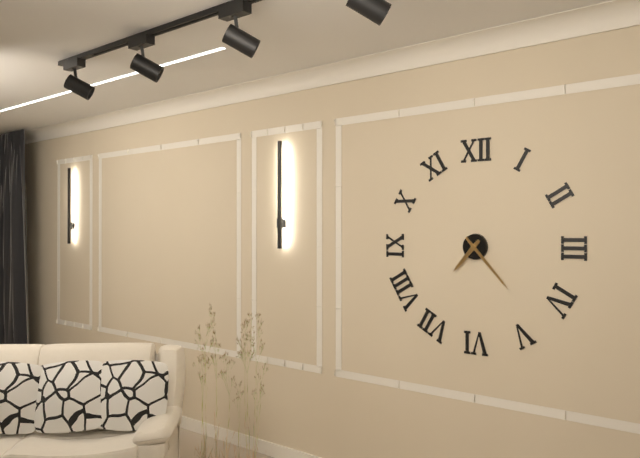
h=7 m=23
